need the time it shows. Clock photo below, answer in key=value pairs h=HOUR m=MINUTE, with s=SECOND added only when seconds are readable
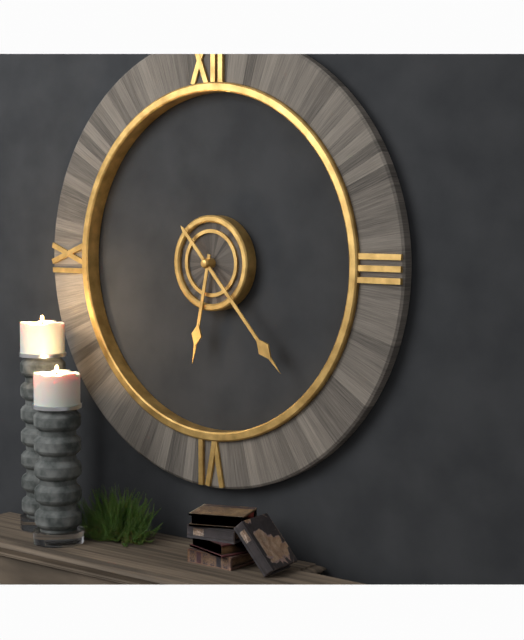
h=6 m=23
